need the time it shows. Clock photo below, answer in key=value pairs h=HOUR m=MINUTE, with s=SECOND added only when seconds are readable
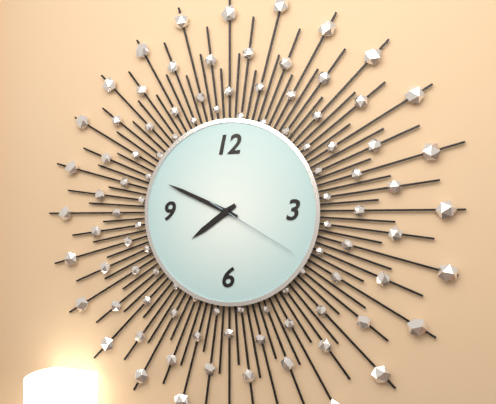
h=7 m=49 s=20
